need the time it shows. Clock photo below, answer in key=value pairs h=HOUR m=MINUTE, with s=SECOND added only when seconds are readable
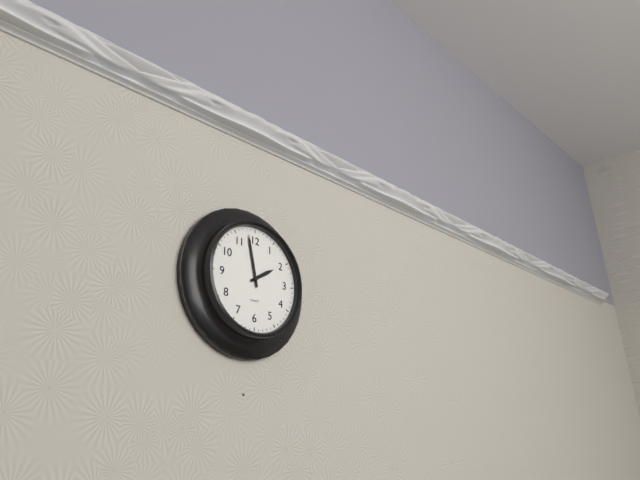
h=1 m=58
